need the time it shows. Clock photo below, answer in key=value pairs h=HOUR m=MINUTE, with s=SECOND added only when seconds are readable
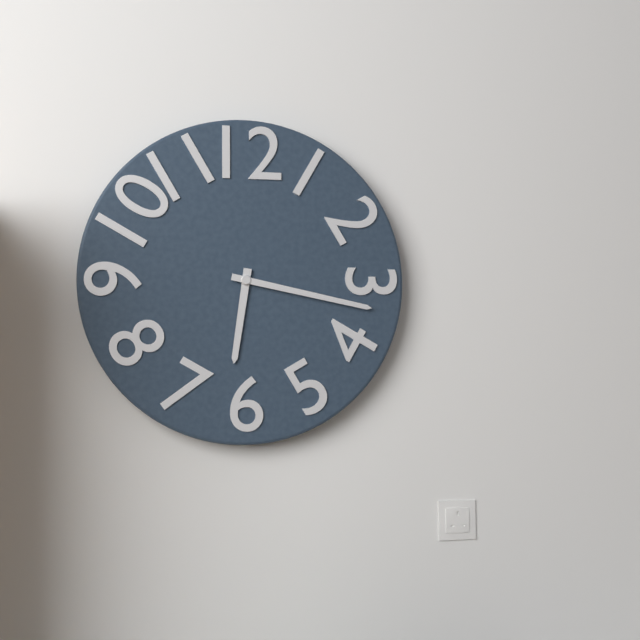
h=6 m=17
